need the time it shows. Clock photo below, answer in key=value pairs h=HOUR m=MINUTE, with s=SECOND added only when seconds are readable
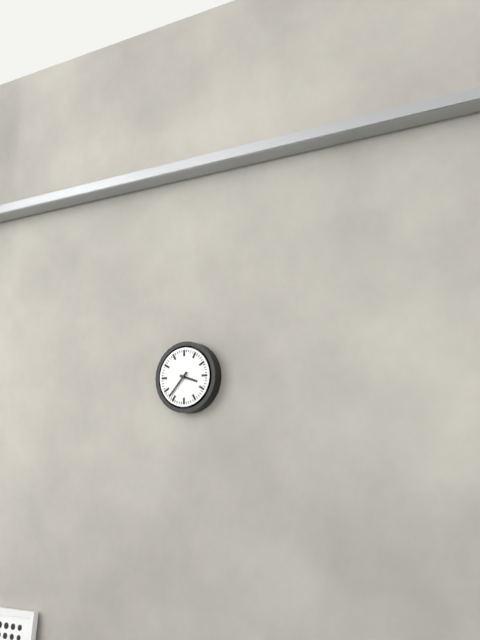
h=3 m=37
